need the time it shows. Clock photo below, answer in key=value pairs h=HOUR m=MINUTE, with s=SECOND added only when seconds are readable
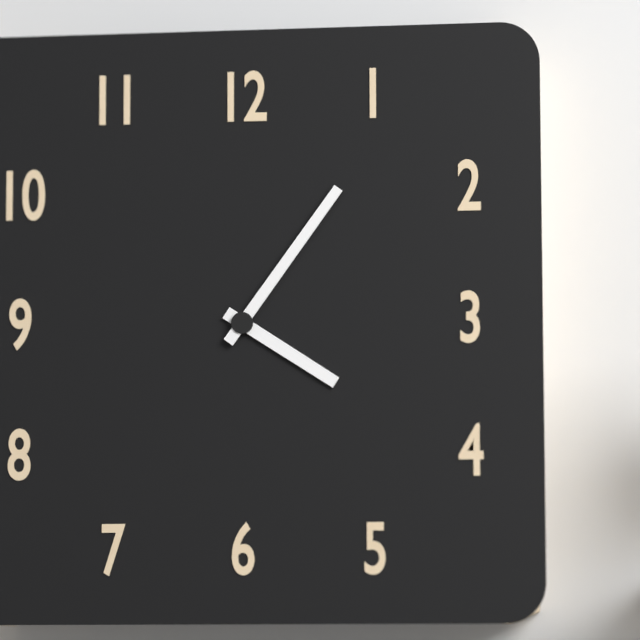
h=4 m=6
